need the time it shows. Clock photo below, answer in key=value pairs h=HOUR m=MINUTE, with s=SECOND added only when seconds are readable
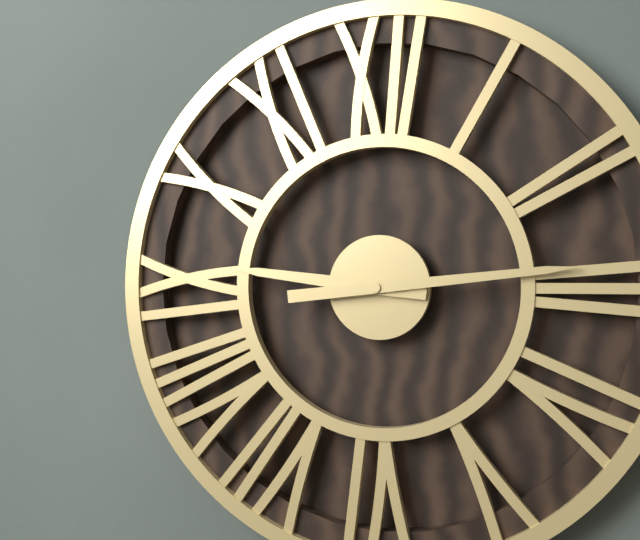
h=9 m=14
